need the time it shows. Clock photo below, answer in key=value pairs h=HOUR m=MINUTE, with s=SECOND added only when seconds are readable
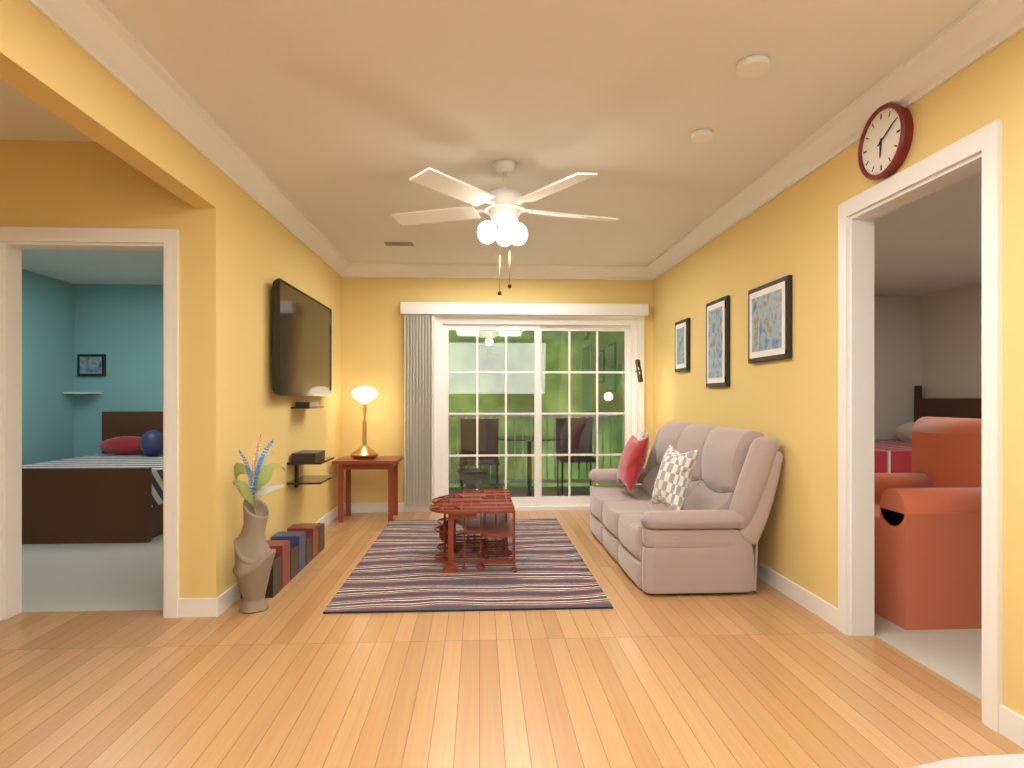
h=6 m=10
